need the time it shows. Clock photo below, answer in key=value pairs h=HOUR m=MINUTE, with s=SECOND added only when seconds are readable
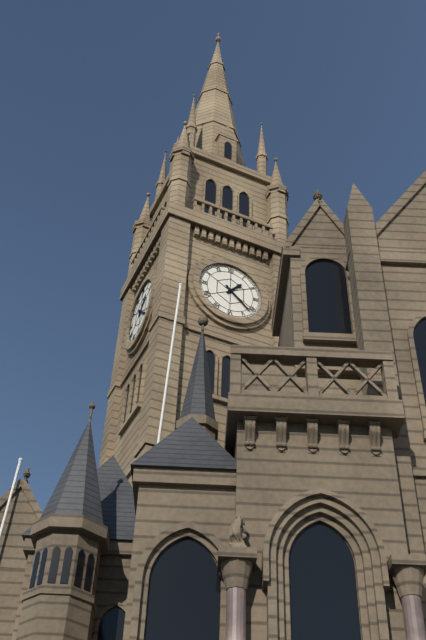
h=1 m=22
